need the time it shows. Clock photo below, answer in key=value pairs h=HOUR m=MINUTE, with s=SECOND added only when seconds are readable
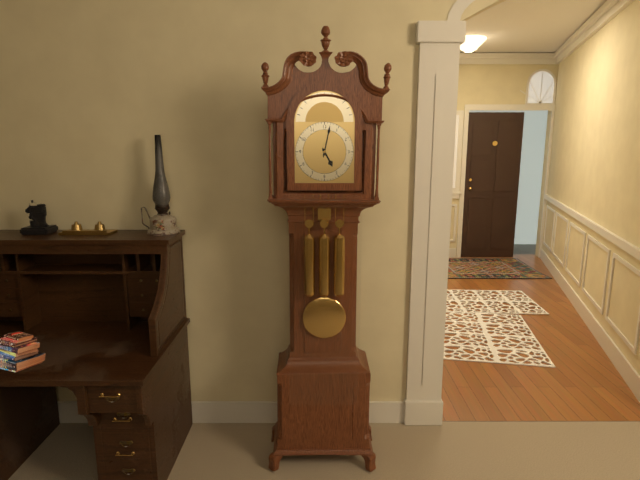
h=5 m=2
